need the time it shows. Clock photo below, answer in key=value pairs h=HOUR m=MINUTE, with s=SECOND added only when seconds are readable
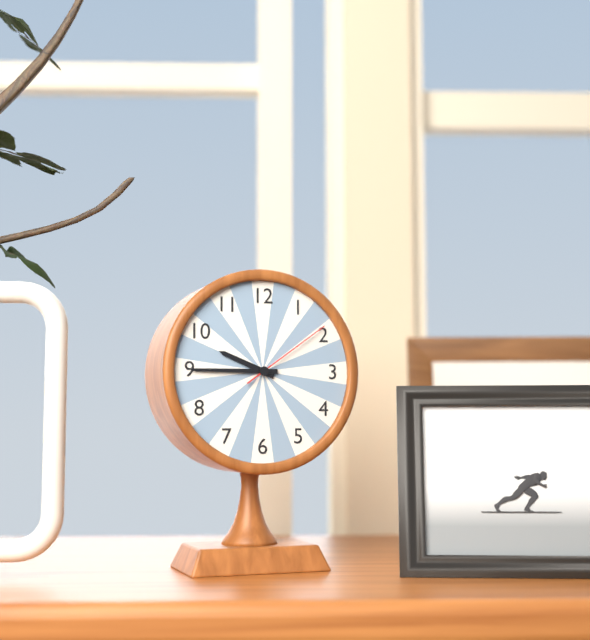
h=9 m=45 s=9
